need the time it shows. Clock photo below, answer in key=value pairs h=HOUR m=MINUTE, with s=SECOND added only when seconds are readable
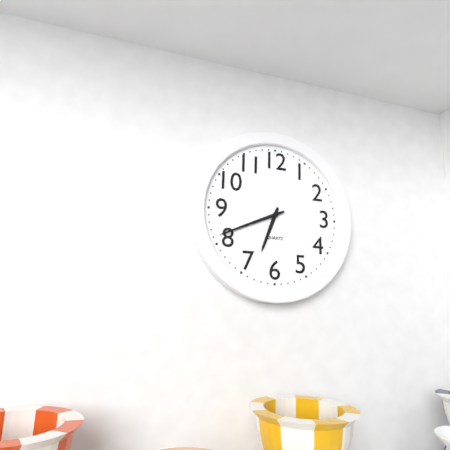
h=6 m=41
